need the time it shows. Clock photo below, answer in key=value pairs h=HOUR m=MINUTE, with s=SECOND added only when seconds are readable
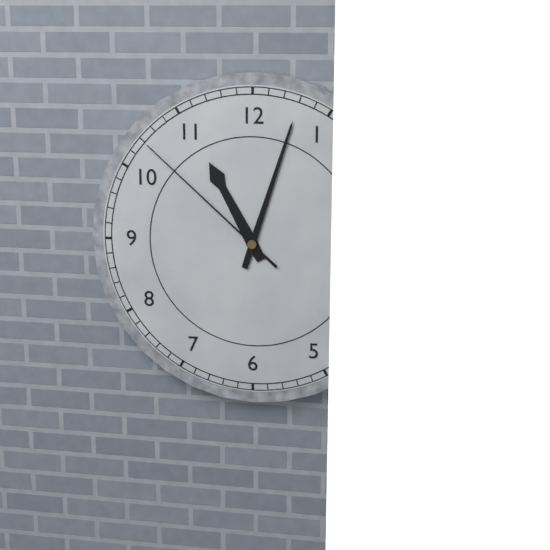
h=11 m=3 s=52
